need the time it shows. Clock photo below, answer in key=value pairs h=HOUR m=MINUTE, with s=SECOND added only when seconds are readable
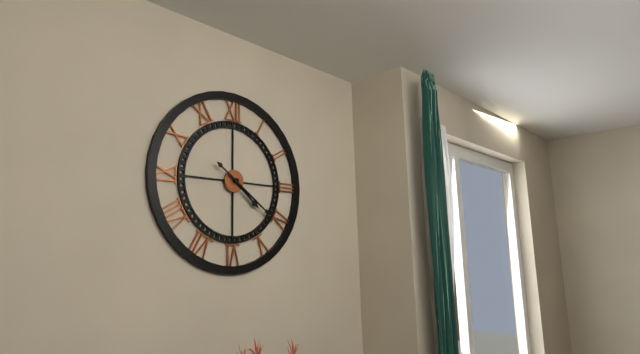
h=4 m=21
